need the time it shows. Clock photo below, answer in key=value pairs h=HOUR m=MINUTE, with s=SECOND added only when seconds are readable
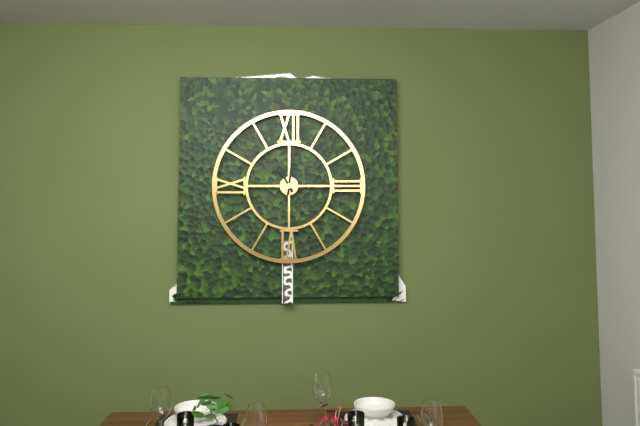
h=11 m=1
